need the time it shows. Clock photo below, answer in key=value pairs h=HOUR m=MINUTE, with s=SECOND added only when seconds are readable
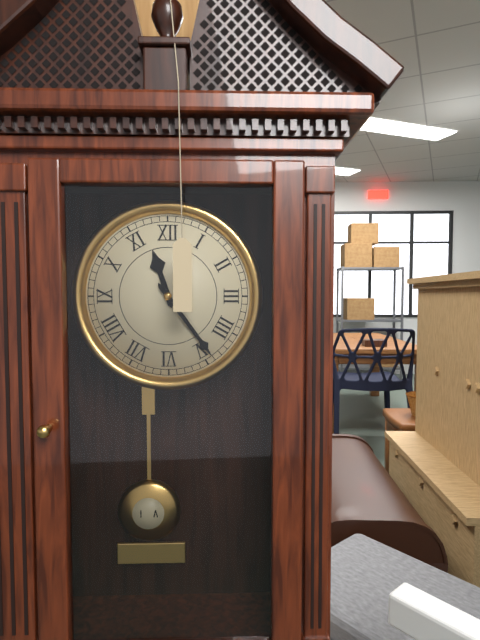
h=11 m=24
